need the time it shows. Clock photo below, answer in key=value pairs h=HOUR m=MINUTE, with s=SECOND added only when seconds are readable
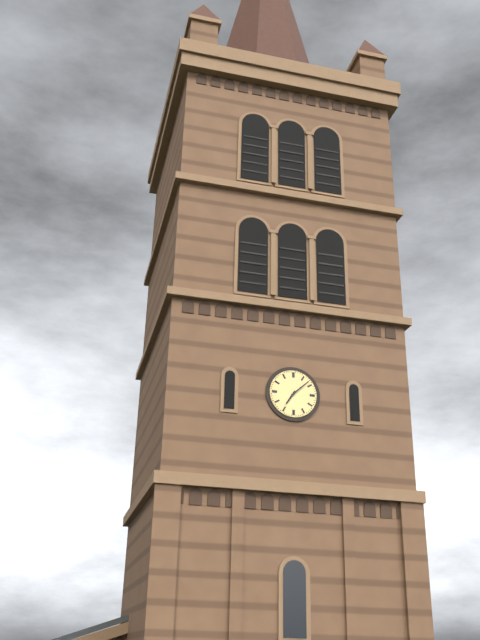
h=7 m=8
